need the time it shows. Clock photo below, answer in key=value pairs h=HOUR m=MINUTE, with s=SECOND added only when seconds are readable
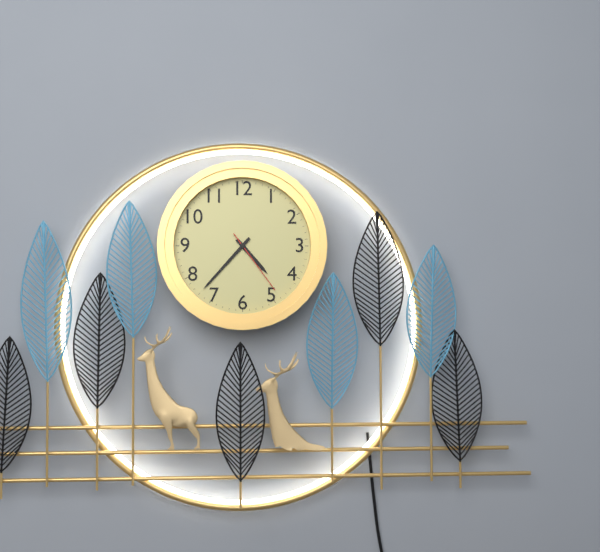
h=4 m=37 s=24
